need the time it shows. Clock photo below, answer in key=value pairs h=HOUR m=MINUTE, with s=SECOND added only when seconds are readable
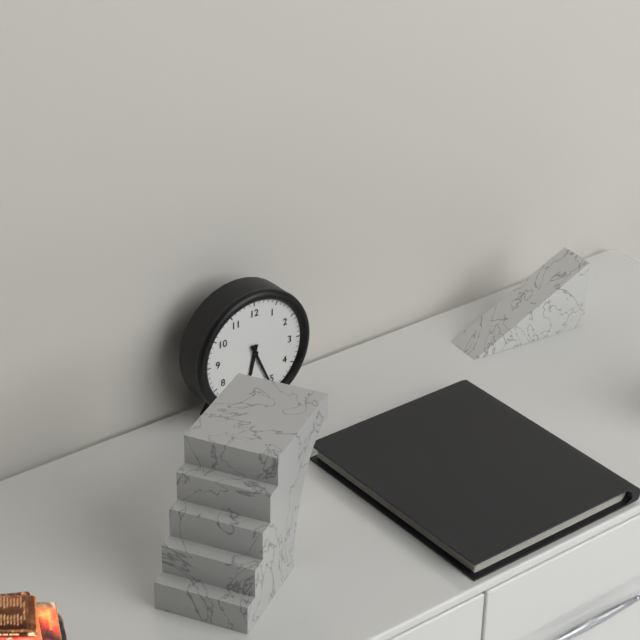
h=6 m=26
